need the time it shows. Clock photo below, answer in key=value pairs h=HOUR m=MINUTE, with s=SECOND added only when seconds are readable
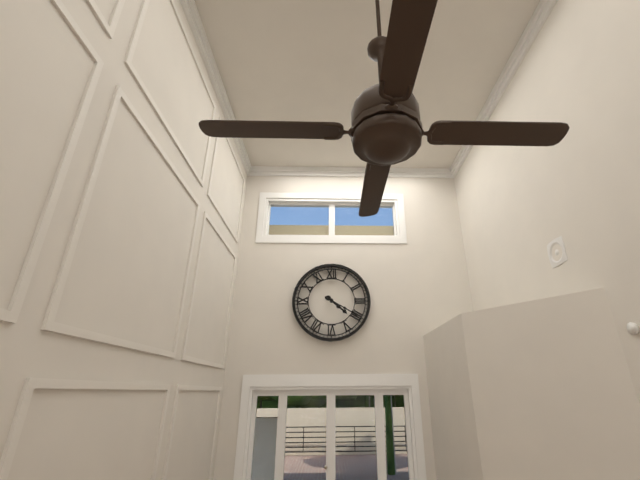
h=4 m=20
